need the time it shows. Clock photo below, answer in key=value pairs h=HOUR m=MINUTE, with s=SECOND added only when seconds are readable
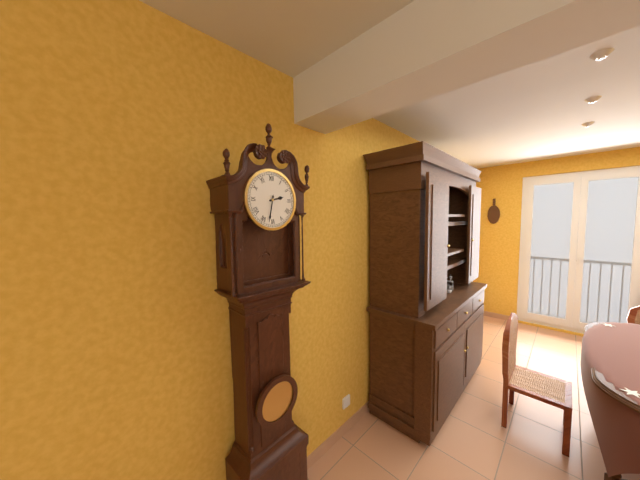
h=2 m=32
